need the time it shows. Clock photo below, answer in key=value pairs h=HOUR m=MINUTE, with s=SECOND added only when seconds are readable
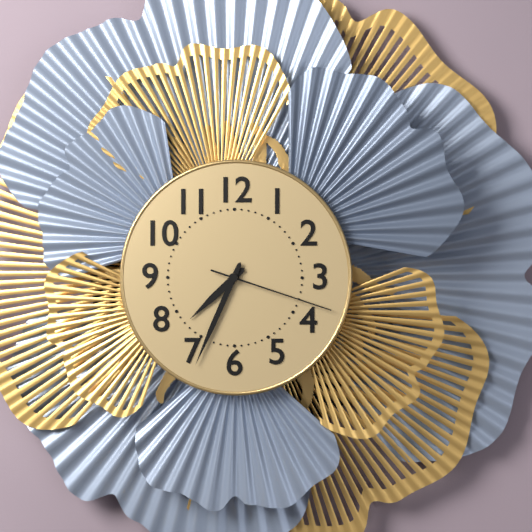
h=7 m=34 s=18
